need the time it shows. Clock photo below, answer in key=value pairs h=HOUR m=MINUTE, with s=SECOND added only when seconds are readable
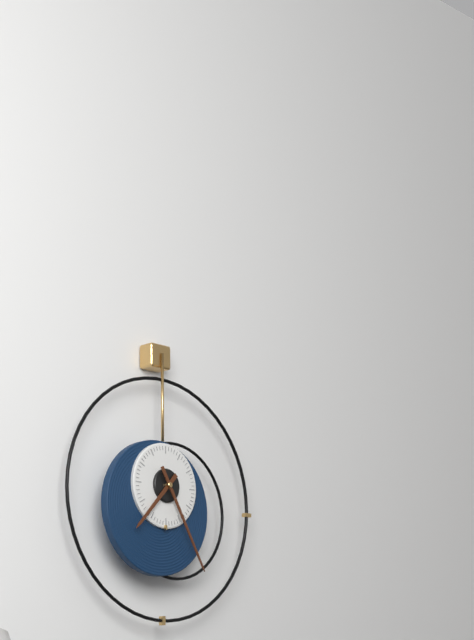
h=7 m=25
